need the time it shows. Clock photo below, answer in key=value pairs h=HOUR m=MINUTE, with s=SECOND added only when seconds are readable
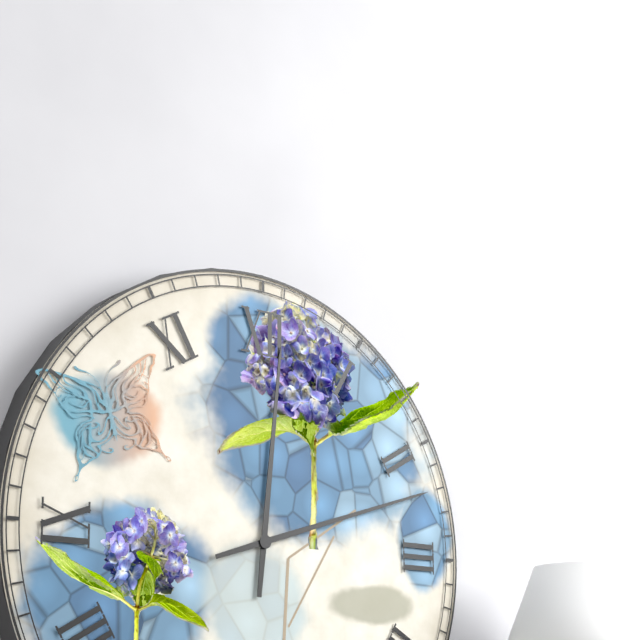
h=12 m=12
